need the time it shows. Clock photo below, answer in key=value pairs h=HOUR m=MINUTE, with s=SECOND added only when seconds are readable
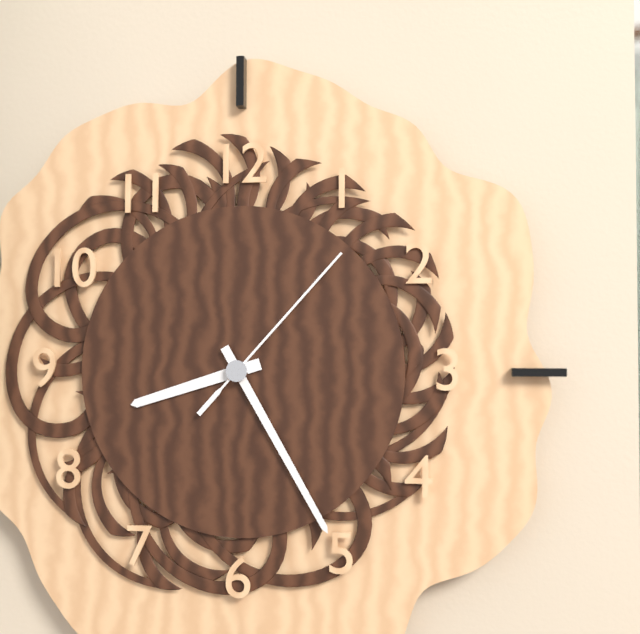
h=8 m=25 s=7
